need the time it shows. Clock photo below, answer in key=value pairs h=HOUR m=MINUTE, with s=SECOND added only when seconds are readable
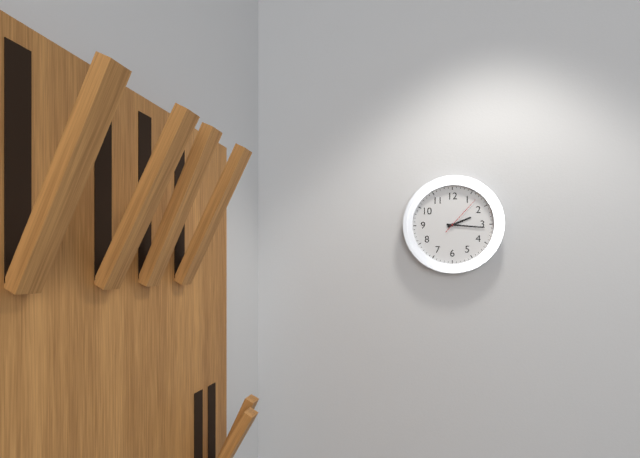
h=2 m=16
